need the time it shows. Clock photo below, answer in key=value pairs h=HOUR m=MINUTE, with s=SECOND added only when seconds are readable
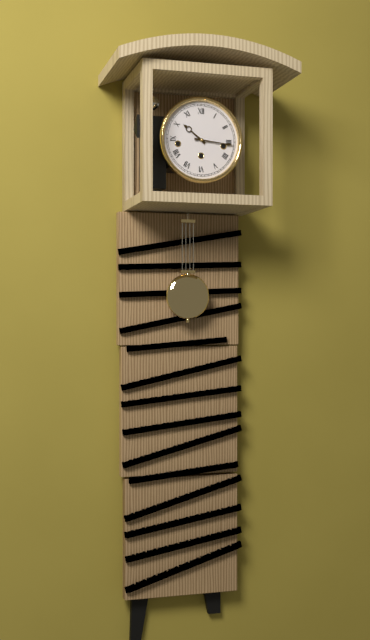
h=10 m=16
